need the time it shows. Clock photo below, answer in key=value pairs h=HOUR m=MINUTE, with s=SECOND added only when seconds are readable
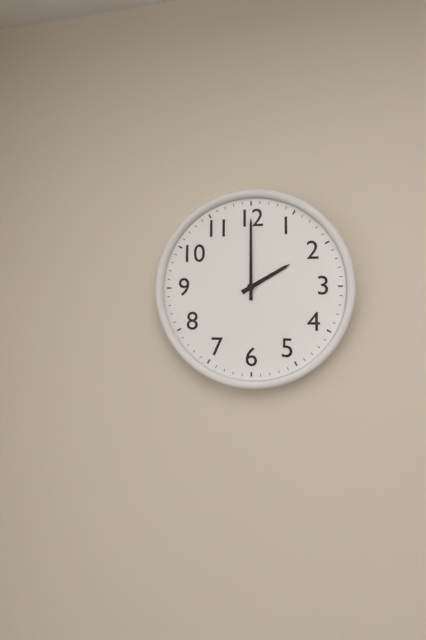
h=2 m=0
